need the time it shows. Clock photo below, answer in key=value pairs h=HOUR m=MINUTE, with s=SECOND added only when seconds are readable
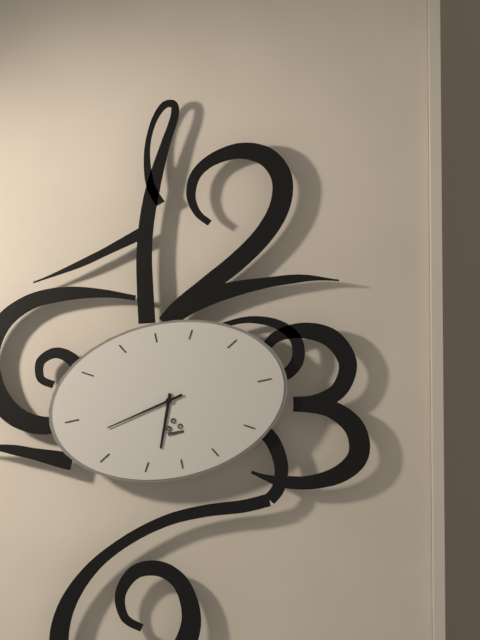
h=6 m=43
